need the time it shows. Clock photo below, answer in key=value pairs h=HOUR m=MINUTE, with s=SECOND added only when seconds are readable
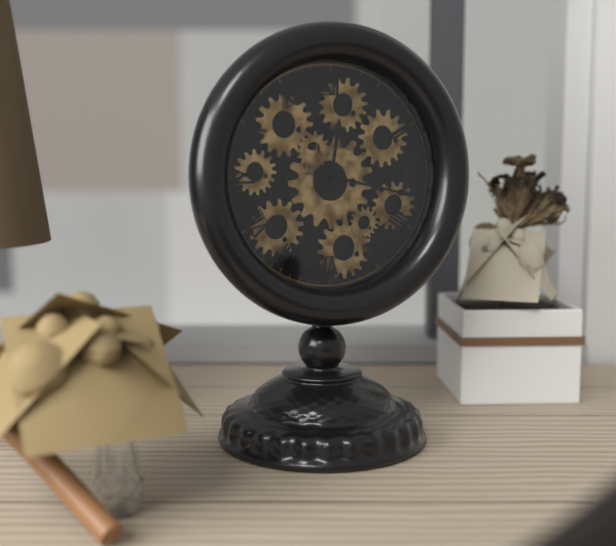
h=12 m=17
